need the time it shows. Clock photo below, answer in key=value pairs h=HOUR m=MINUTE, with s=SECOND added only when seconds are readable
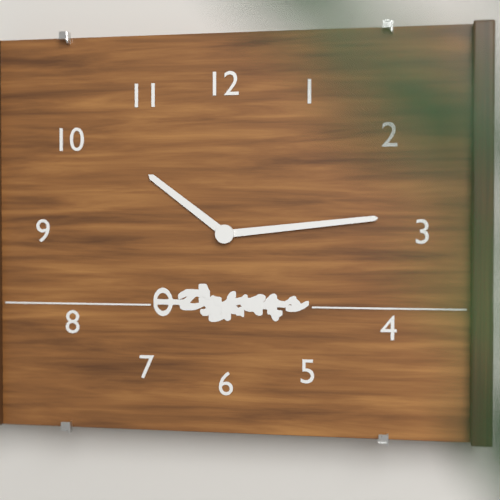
h=10 m=14
